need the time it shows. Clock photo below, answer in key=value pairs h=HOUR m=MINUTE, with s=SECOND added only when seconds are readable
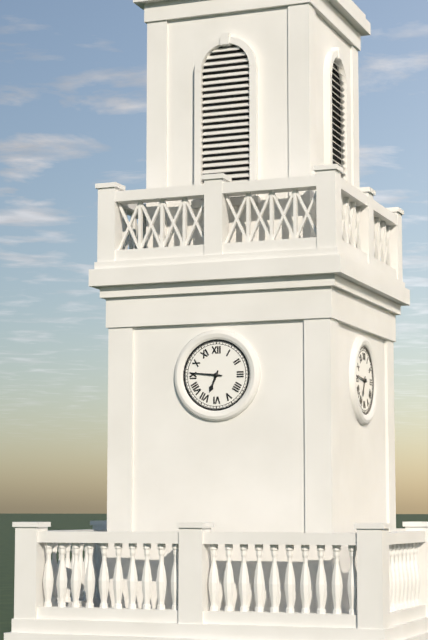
h=6 m=46
